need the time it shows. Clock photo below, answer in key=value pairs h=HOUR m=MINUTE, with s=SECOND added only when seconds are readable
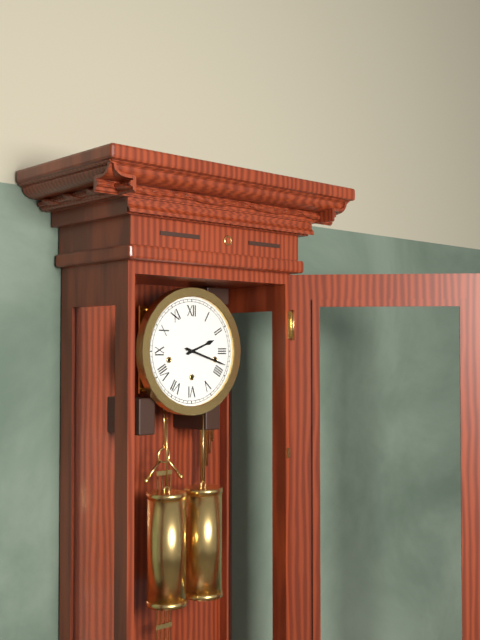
h=2 m=18
